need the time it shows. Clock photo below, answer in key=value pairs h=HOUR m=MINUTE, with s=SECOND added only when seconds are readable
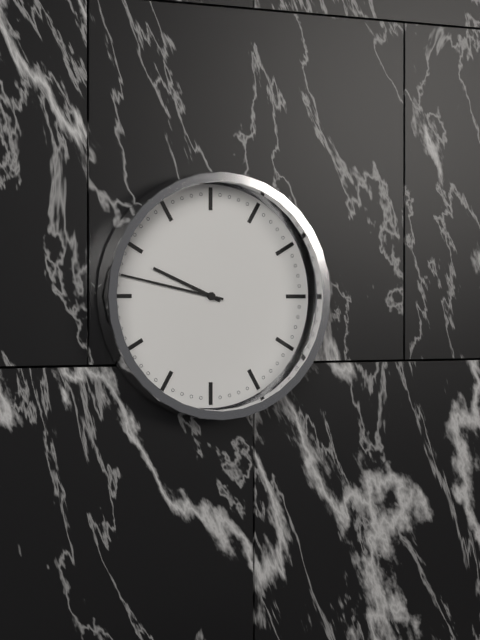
h=9 m=47
